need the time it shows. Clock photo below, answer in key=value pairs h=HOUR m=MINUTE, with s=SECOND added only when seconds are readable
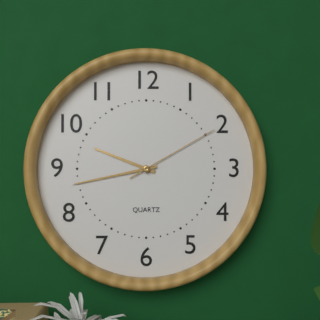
h=9 m=43 s=10
